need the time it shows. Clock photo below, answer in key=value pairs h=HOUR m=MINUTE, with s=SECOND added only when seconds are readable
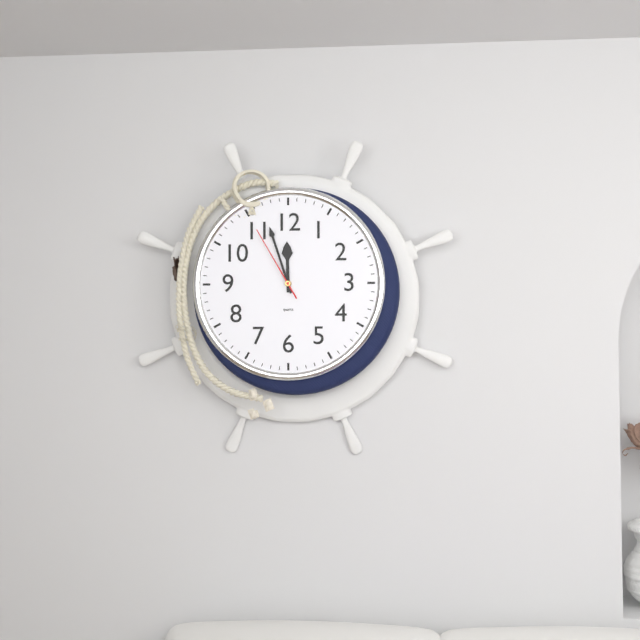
h=11 m=57 s=55
